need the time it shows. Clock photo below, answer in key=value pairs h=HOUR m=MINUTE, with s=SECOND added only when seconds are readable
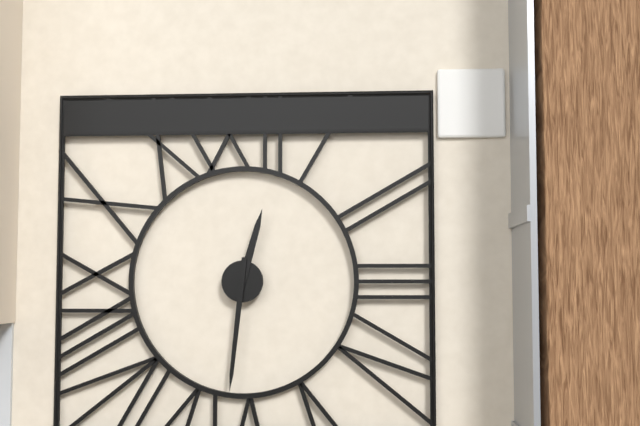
h=12 m=31
